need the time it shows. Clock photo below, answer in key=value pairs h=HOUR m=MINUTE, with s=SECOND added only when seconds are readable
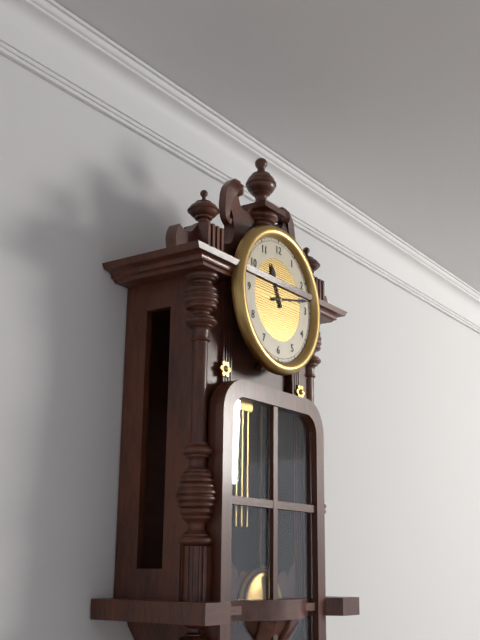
h=11 m=13
